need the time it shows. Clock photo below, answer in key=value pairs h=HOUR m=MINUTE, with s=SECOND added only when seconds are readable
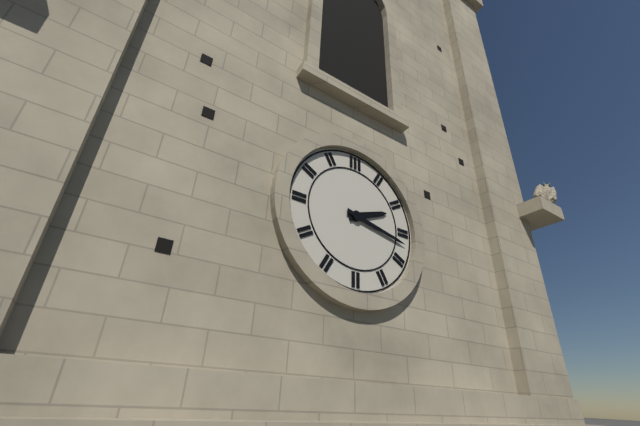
h=2 m=17
